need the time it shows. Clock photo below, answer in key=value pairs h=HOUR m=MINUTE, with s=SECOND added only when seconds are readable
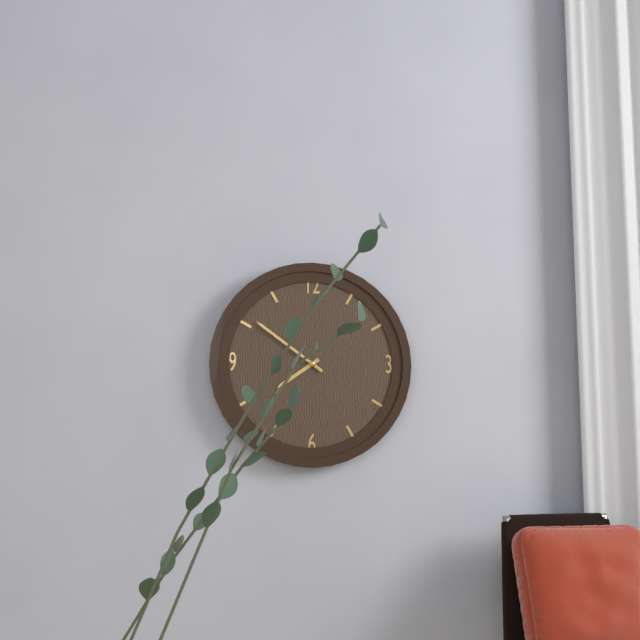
h=7 m=51
